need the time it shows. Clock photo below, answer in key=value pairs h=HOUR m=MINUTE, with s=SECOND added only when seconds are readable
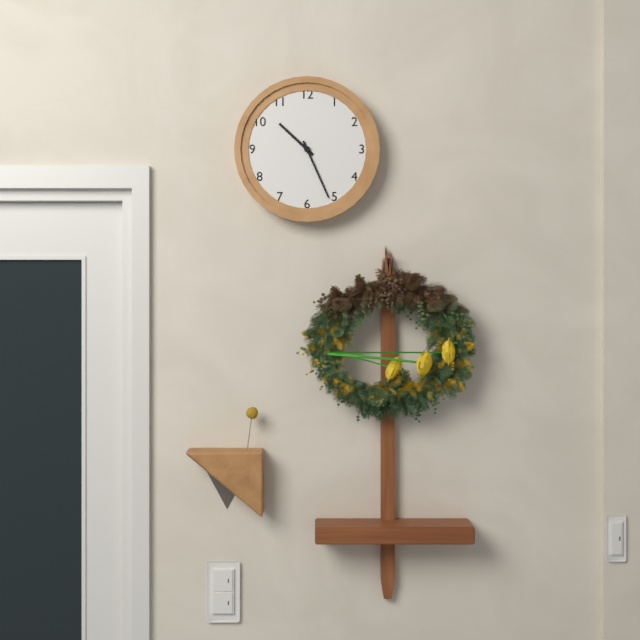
h=10 m=26
